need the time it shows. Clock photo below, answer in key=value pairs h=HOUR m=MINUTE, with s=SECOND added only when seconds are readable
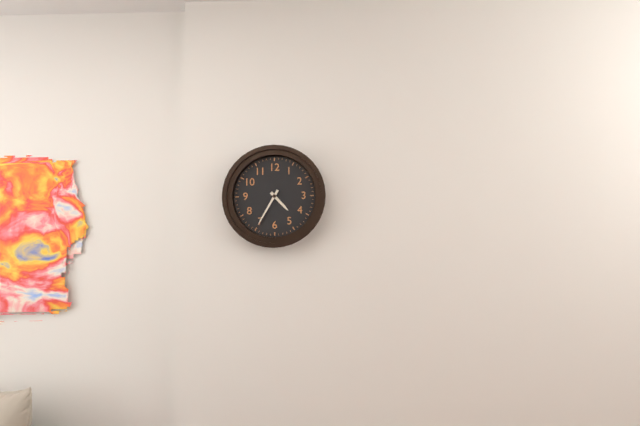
h=4 m=35
